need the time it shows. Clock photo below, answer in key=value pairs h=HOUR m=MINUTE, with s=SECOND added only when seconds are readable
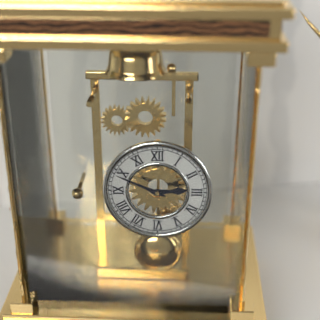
h=2 m=49
